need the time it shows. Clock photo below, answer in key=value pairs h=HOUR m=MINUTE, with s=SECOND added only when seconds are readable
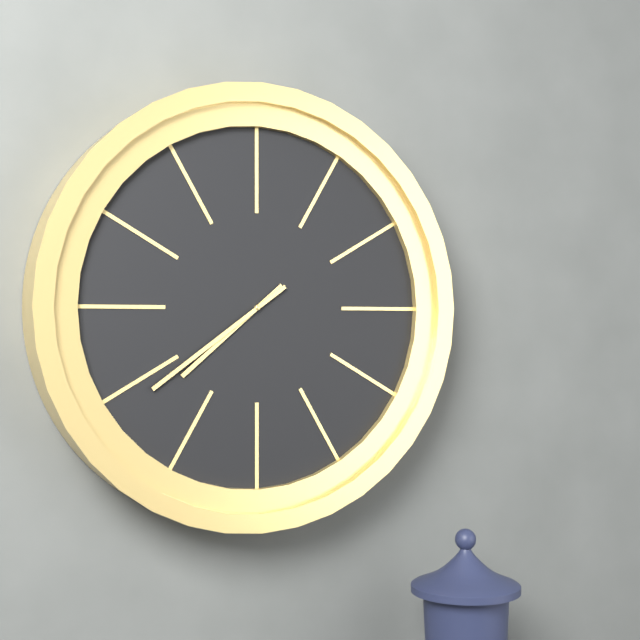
h=7 m=39
